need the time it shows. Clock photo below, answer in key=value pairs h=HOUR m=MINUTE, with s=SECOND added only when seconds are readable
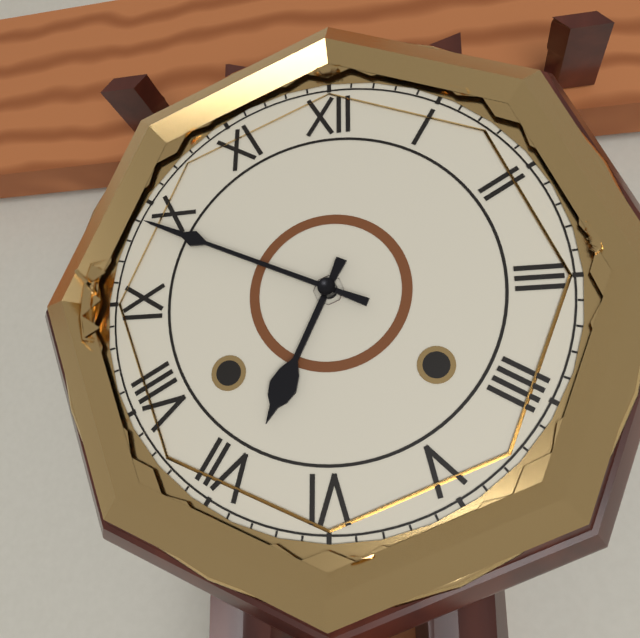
h=6 m=49
